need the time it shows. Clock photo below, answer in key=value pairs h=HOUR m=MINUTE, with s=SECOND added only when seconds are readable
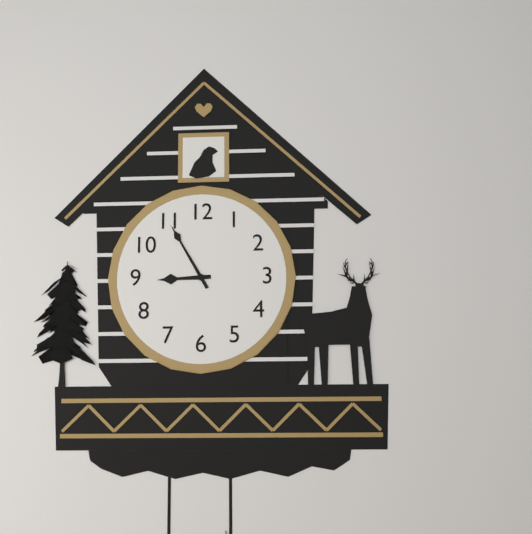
h=8 m=55
